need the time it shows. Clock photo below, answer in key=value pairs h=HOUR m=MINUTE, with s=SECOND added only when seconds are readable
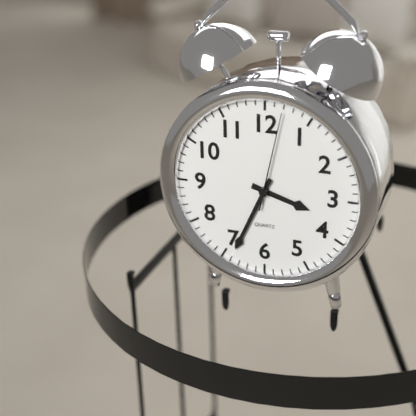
h=3 m=34 s=2
